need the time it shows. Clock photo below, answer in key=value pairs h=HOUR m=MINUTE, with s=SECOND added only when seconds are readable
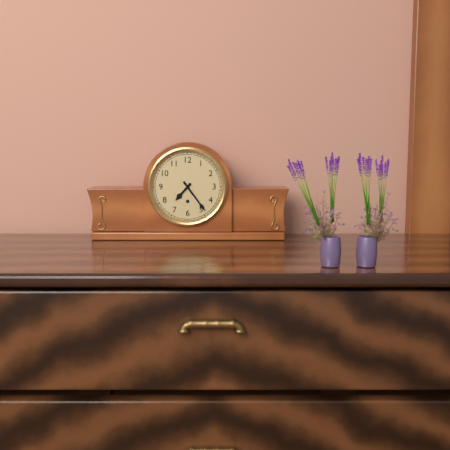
h=7 m=24
